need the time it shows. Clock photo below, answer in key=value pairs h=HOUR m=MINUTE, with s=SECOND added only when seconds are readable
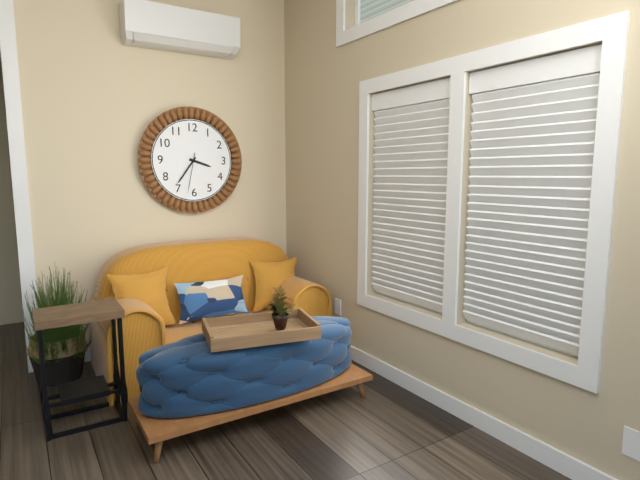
h=3 m=36
